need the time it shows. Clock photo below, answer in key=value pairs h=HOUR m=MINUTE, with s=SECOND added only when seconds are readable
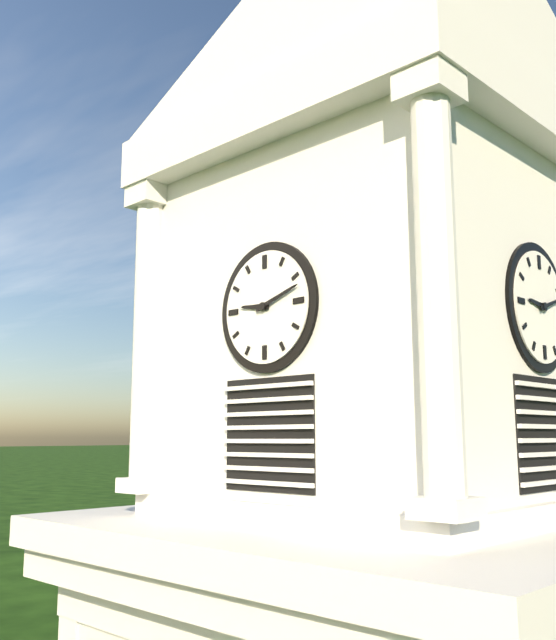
h=9 m=12
